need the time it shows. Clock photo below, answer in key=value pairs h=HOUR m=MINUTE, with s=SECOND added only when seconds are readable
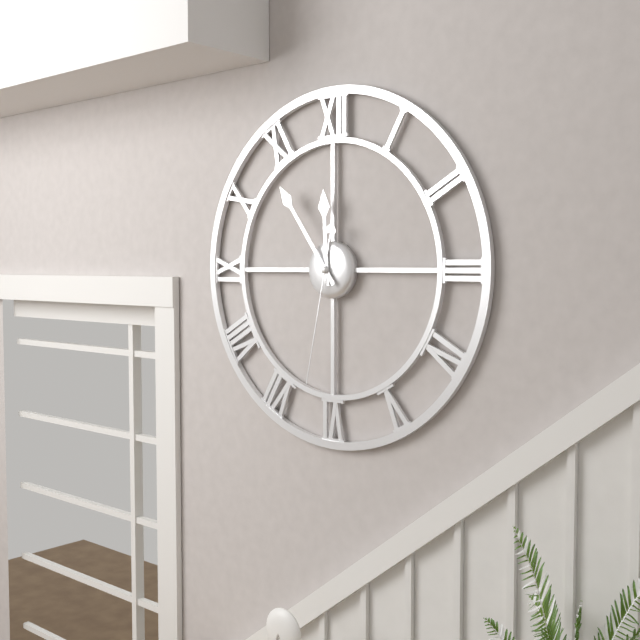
h=11 m=54 s=32
